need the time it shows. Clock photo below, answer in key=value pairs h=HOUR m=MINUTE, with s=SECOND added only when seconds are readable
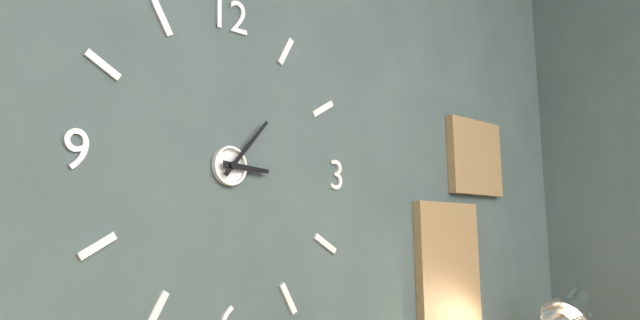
h=3 m=7
